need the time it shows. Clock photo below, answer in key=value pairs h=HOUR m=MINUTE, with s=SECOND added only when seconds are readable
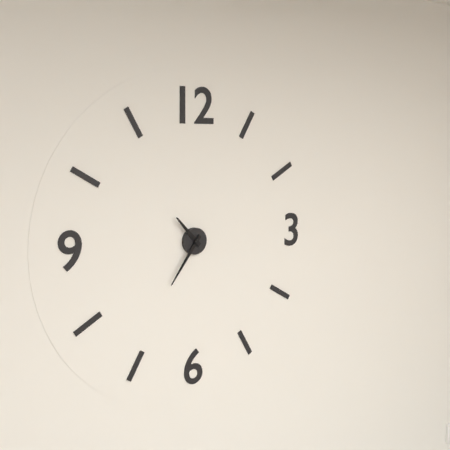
h=10 m=36
